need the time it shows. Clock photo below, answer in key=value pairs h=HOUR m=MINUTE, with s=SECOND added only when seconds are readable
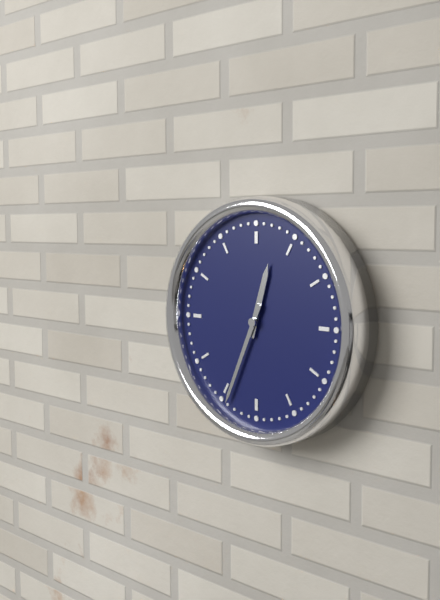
h=12 m=34
